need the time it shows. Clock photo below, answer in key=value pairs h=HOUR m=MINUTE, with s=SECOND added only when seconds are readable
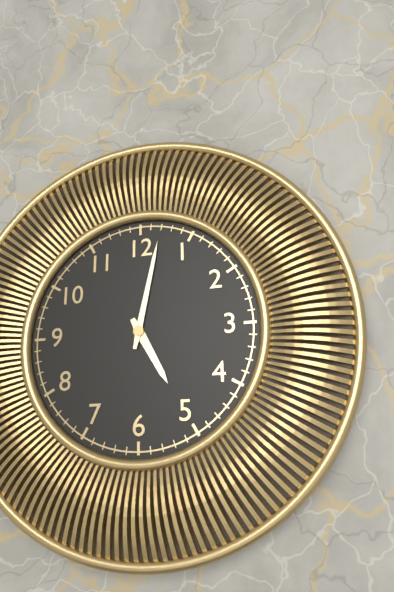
h=5 m=2
